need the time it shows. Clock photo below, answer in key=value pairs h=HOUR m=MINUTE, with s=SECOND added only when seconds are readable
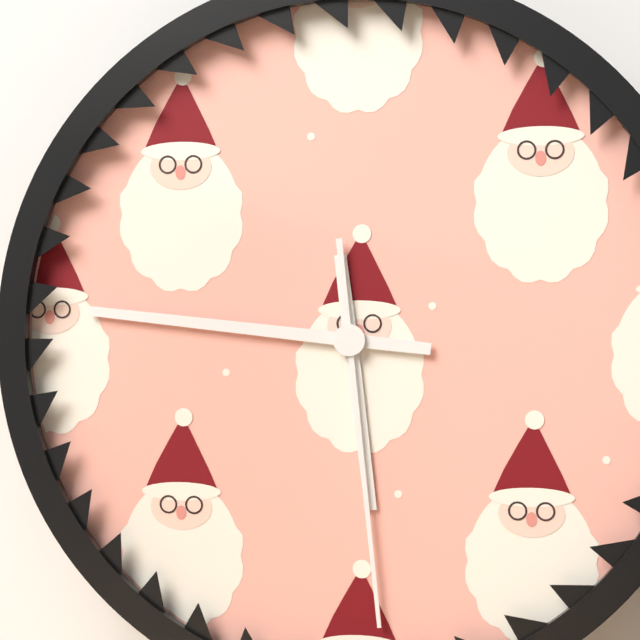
h=5 m=46 s=29
